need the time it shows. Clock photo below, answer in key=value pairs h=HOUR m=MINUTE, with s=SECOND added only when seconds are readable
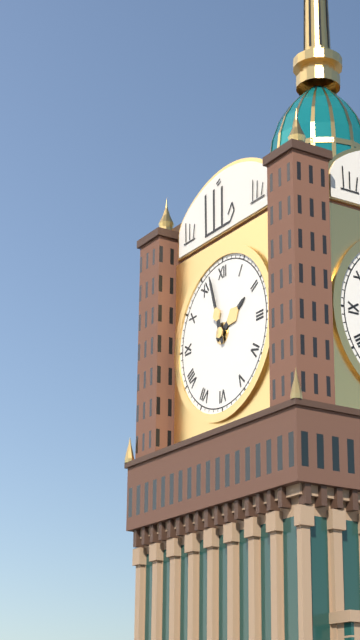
h=1 m=57
